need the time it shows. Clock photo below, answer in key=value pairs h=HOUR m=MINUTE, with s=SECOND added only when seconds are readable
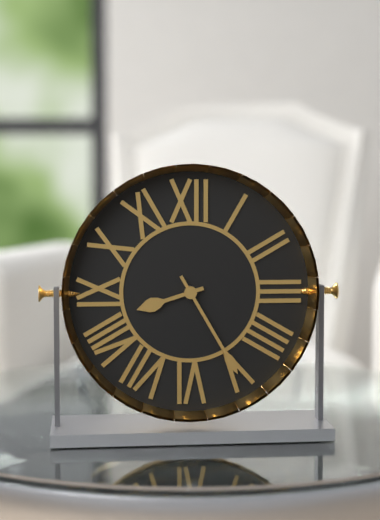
h=8 m=25
